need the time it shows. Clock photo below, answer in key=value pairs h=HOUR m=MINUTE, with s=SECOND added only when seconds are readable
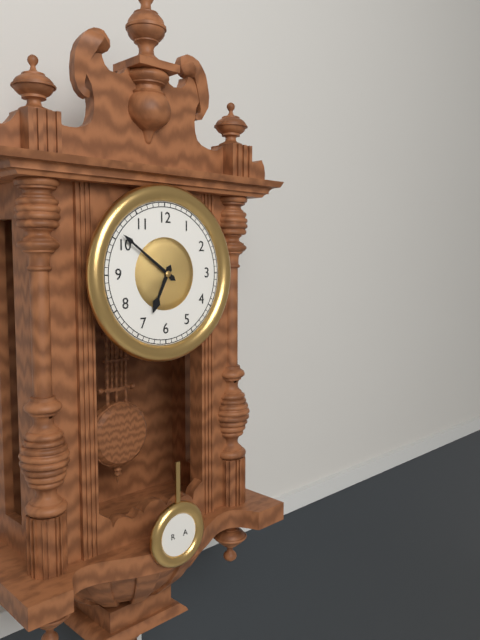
h=6 m=51
